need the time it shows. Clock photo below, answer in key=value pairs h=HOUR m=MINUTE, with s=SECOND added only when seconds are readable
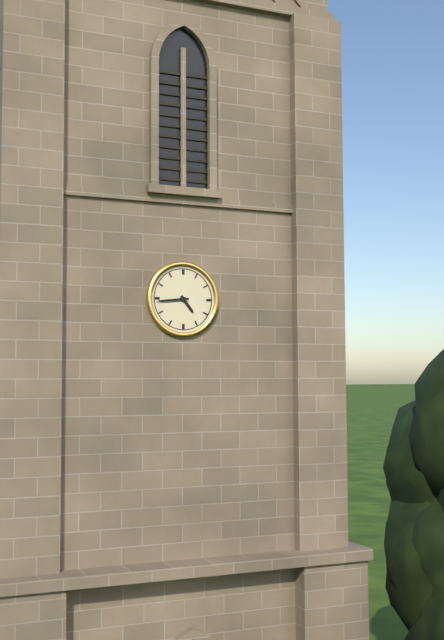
h=4 m=44
